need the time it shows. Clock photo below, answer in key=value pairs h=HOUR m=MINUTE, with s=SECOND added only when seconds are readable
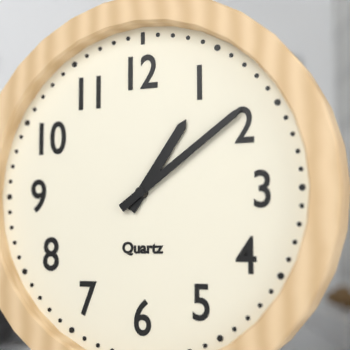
h=1 m=9
